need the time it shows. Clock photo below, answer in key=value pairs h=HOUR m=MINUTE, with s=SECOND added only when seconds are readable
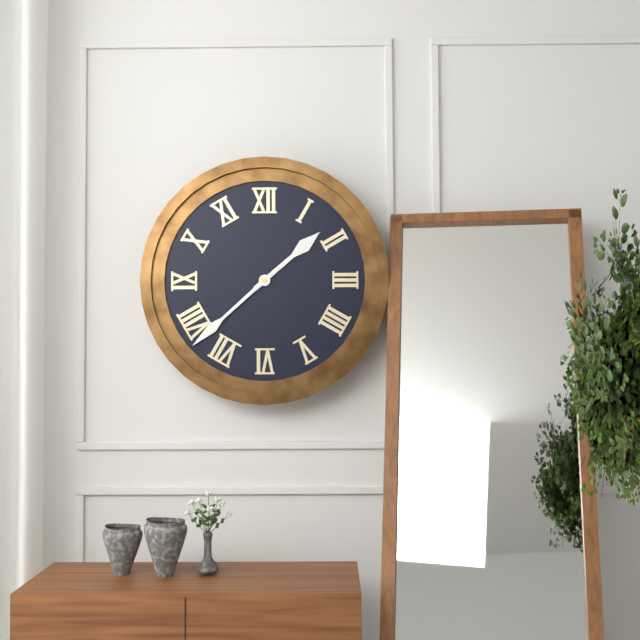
h=1 m=38
